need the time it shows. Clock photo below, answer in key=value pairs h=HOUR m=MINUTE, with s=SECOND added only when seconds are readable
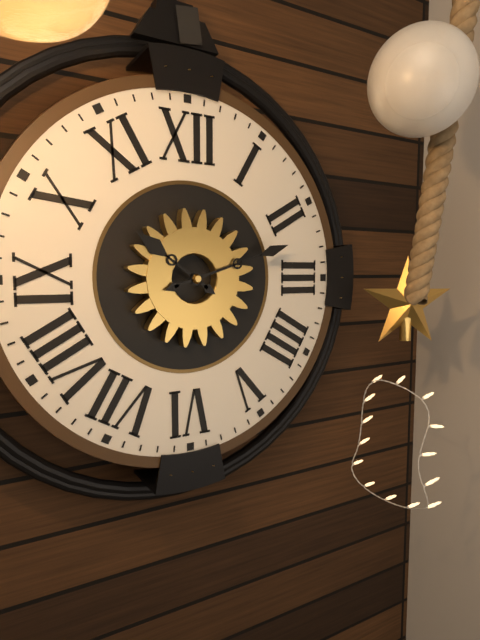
h=10 m=12
